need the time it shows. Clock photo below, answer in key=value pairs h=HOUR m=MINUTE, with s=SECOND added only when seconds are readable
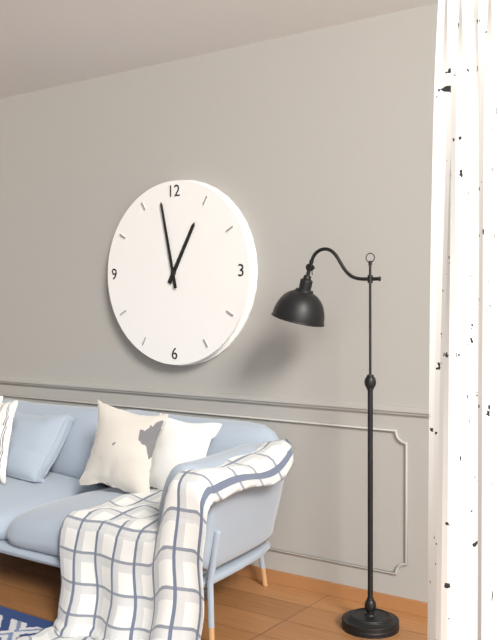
h=12 m=58
